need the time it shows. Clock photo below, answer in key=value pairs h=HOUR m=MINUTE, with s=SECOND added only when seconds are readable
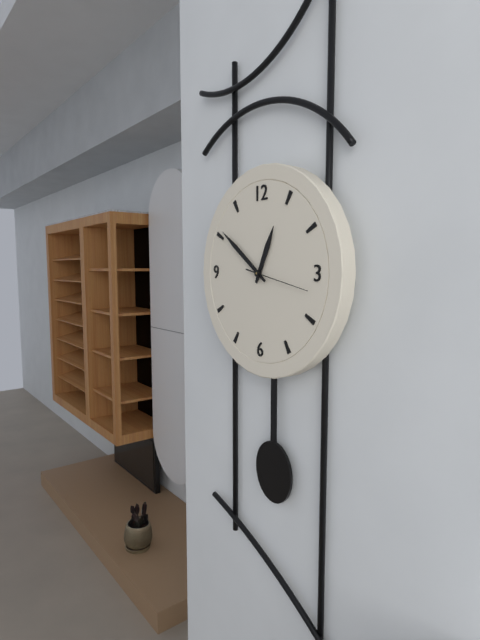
h=12 m=51 s=17
